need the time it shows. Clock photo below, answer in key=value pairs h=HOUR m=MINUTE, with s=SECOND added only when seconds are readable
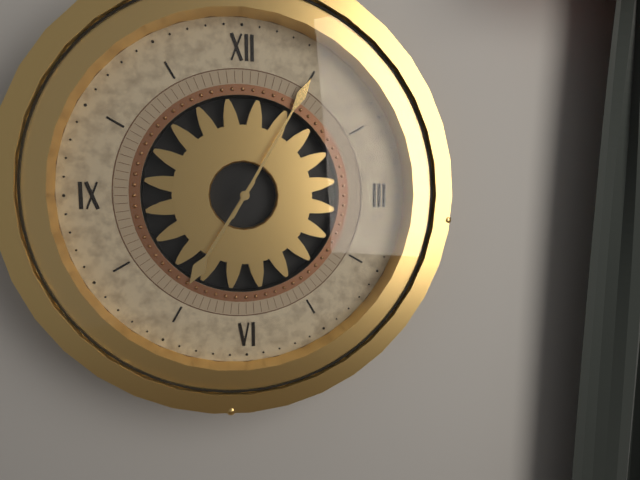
h=7 m=5
